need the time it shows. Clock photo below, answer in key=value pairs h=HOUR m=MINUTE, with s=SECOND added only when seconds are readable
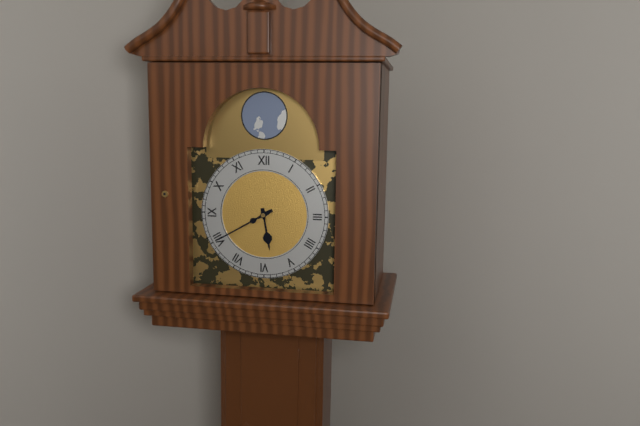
h=5 m=40
